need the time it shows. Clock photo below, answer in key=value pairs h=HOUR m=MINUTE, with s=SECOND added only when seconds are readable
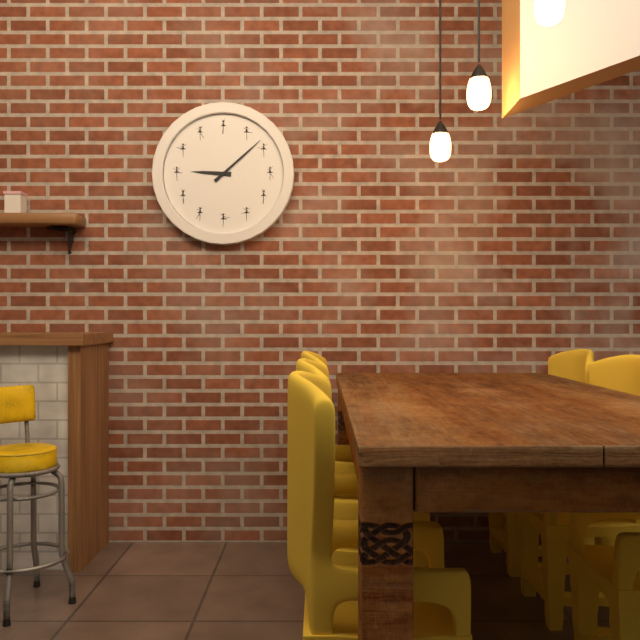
h=9 m=8
